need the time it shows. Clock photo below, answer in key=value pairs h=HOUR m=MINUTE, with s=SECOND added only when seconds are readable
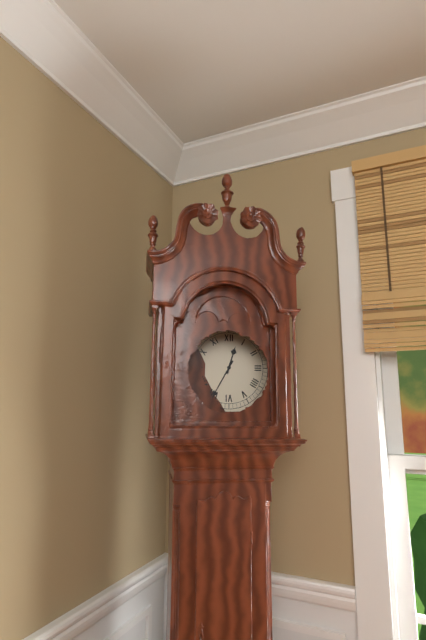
h=12 m=35
